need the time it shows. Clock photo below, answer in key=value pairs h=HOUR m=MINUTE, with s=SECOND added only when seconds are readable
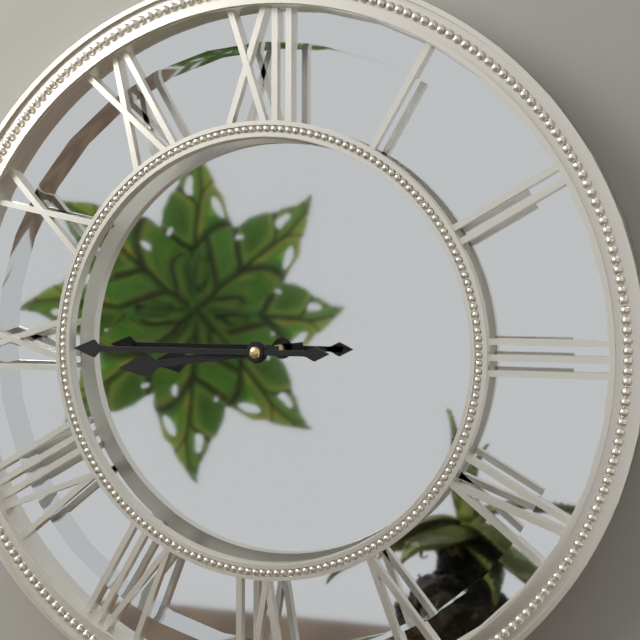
h=8 m=45
